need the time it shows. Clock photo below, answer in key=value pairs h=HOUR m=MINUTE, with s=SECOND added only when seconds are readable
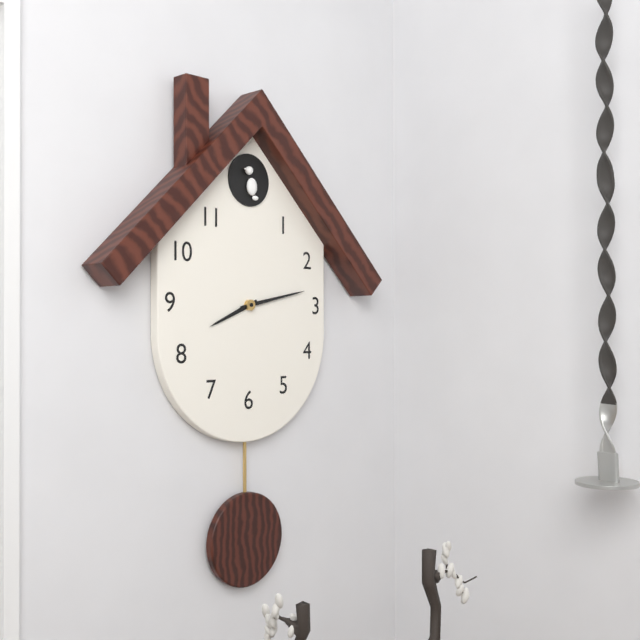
h=8 m=13
